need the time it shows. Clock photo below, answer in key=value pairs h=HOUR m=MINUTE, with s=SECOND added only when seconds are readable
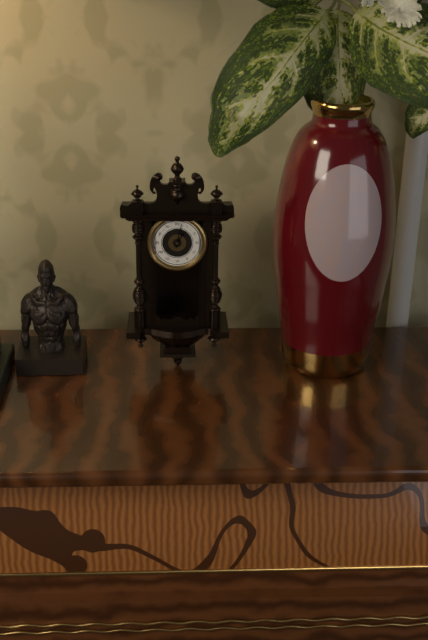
h=1 m=2
